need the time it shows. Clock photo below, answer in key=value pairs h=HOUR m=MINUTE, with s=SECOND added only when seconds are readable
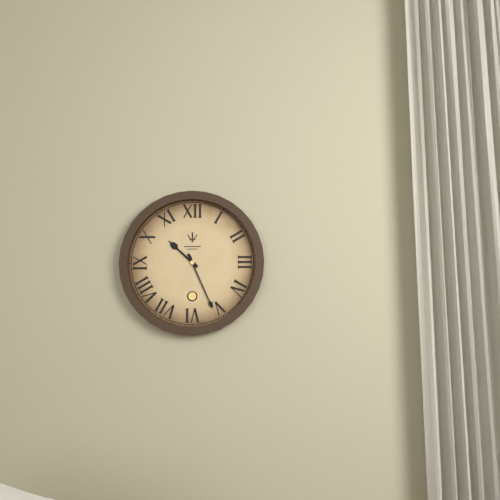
h=10 m=26
